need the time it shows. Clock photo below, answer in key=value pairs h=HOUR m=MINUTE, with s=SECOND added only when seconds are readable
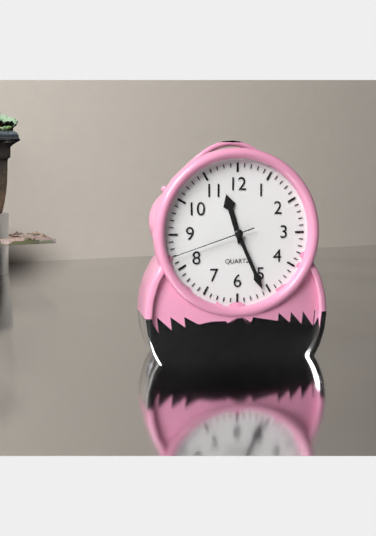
h=11 m=26 s=42
